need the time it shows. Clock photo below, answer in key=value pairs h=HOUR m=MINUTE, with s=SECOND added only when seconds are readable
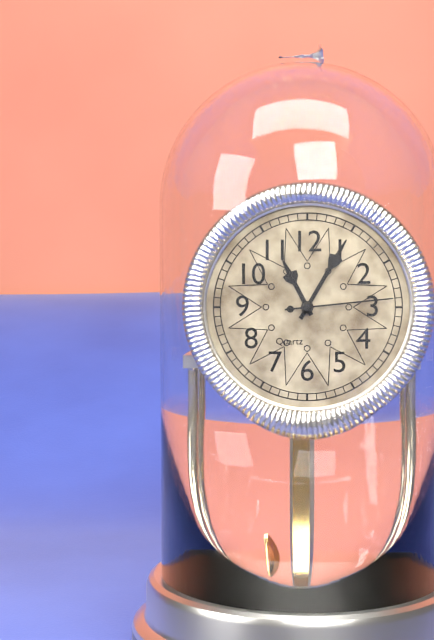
h=11 m=5 s=14
